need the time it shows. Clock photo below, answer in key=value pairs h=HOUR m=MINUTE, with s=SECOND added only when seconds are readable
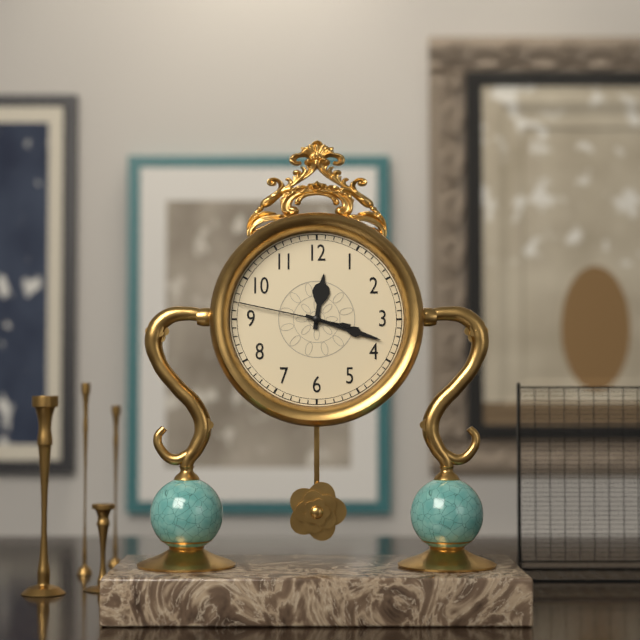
h=12 m=18 s=47
